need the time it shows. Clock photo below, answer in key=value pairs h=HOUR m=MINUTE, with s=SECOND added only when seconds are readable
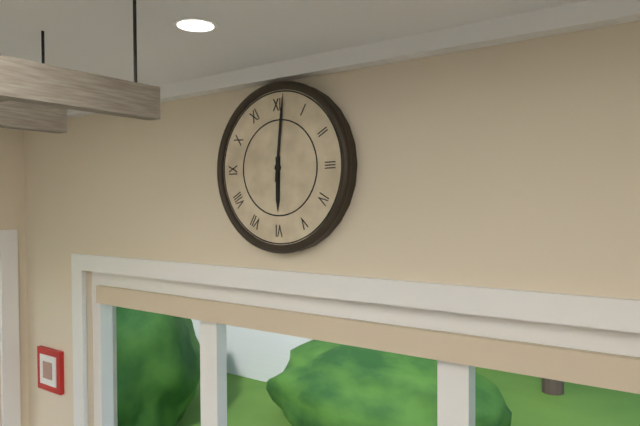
h=6 m=1
